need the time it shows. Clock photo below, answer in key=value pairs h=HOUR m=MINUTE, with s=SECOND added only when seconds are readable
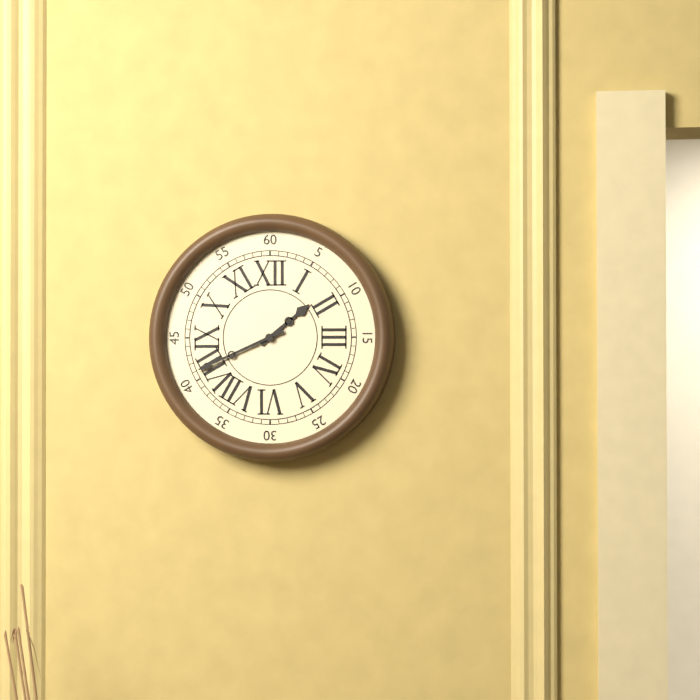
h=1 m=41
